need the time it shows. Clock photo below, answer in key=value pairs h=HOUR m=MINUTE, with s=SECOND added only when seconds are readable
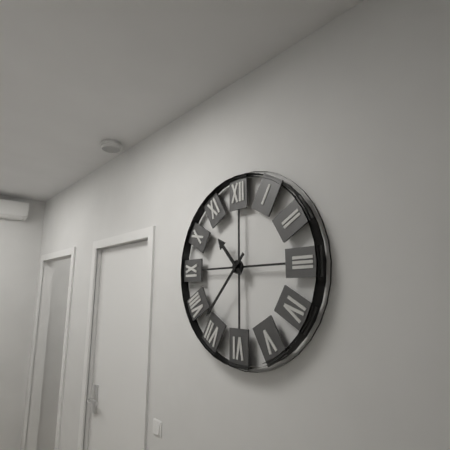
h=10 m=37
